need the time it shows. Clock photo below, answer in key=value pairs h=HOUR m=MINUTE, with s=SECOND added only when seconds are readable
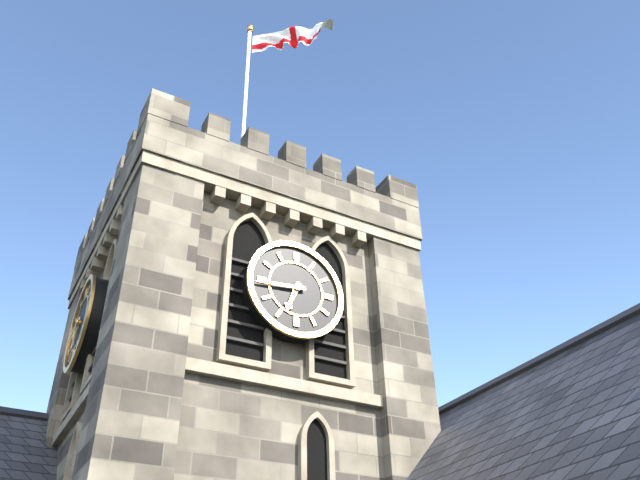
h=6 m=44
